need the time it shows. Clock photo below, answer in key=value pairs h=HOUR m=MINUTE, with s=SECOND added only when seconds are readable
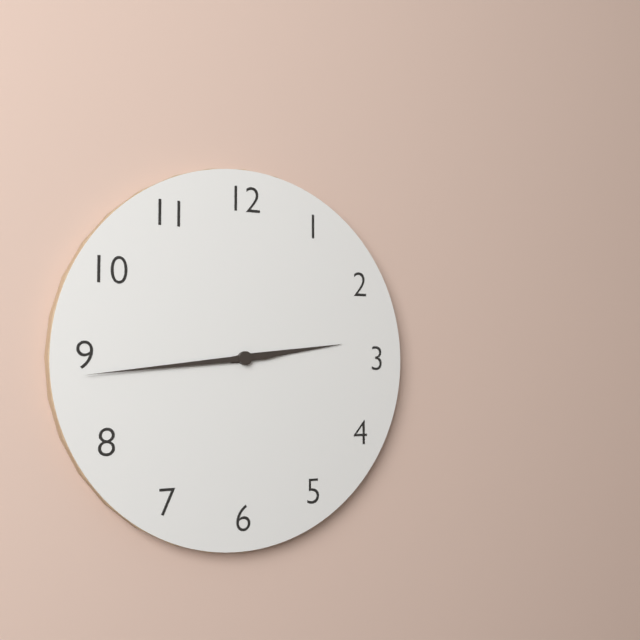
h=2 m=44
